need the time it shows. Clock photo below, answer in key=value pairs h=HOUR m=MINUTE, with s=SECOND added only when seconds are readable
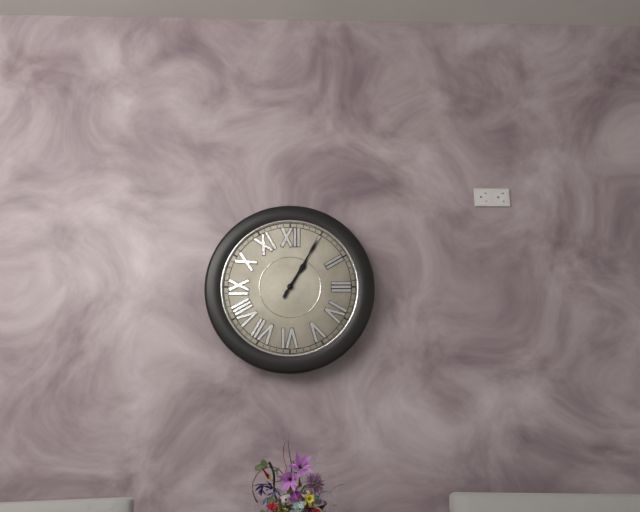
h=1 m=5
